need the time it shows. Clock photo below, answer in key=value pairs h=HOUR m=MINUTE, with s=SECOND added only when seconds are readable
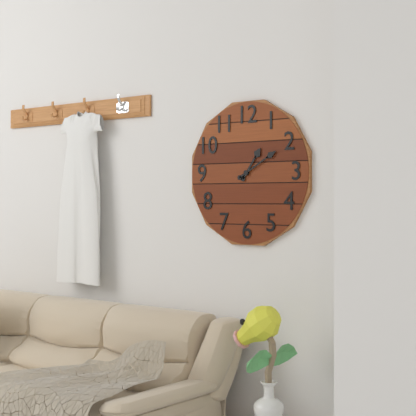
h=1 m=10
